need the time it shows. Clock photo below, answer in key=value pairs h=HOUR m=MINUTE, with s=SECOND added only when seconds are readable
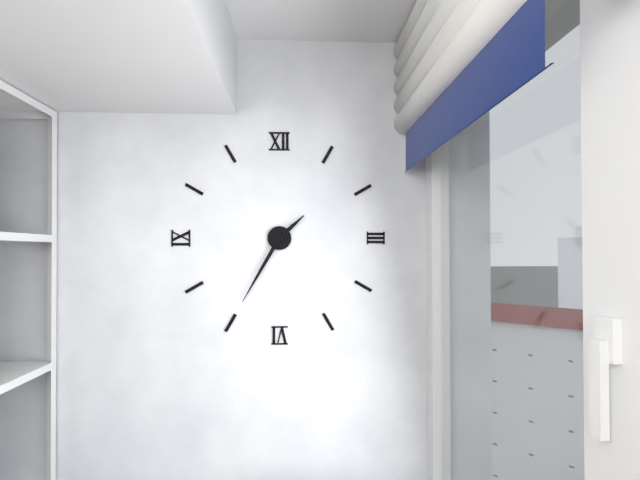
h=1 m=35
